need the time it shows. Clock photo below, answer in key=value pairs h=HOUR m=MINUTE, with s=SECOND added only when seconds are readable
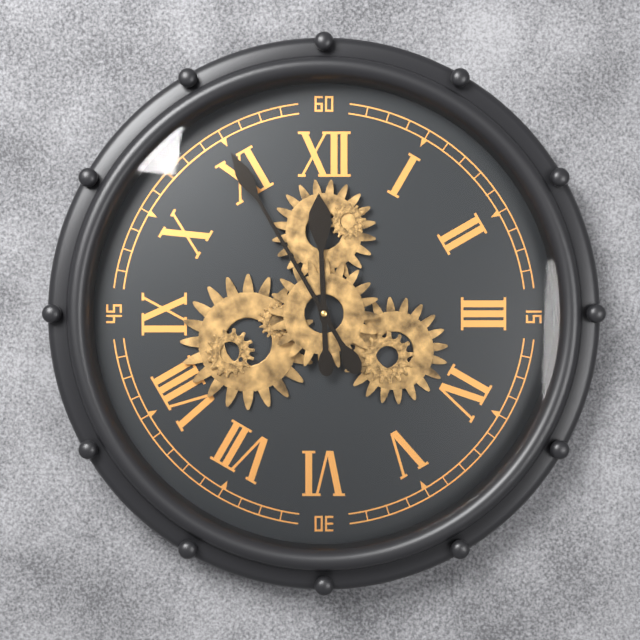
h=11 m=55
